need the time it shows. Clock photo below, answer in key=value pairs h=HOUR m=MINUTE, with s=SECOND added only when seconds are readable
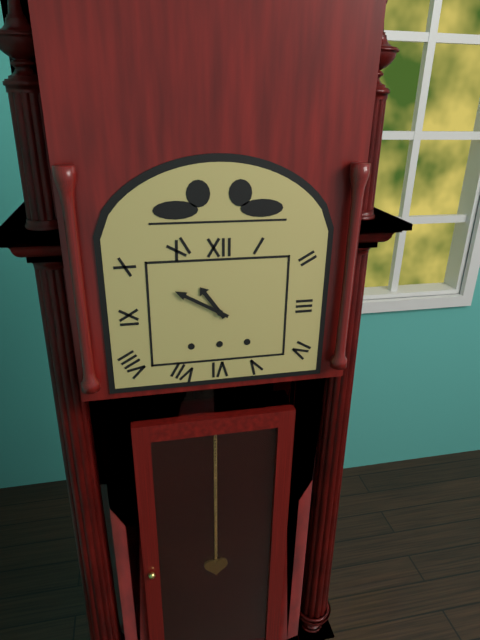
h=10 m=50
